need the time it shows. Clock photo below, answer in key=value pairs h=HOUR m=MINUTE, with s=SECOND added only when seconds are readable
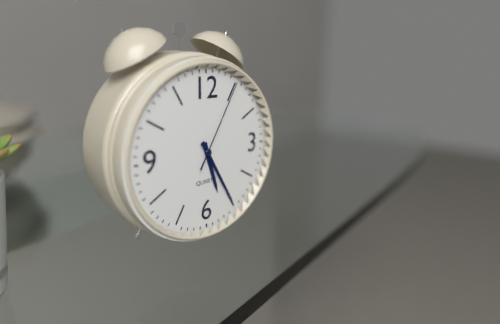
h=5 m=25 s=5
